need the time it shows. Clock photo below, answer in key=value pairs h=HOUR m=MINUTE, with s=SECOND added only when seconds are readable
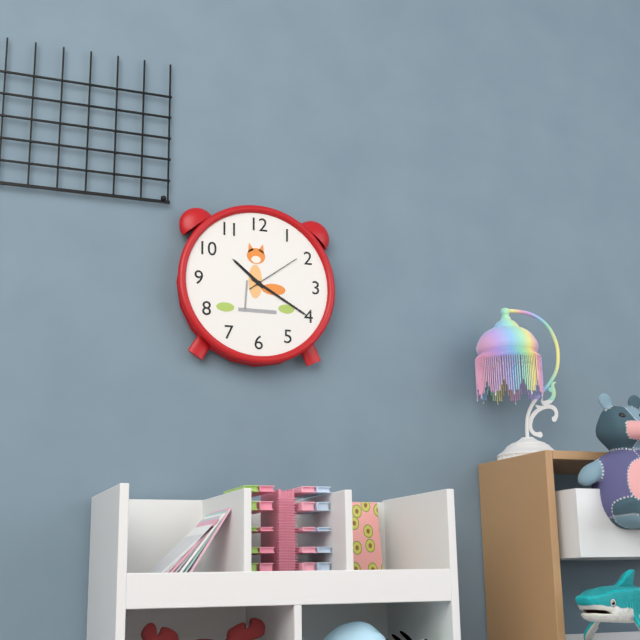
h=10 m=20 s=9
